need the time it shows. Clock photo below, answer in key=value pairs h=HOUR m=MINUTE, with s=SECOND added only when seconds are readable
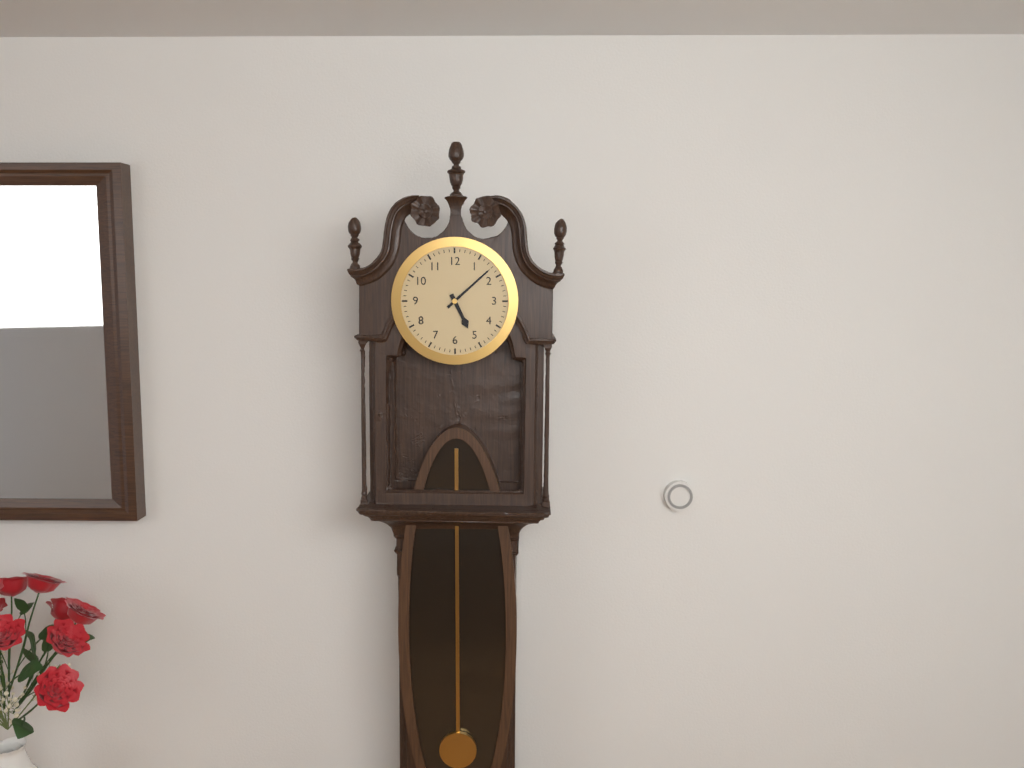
h=5 m=8
